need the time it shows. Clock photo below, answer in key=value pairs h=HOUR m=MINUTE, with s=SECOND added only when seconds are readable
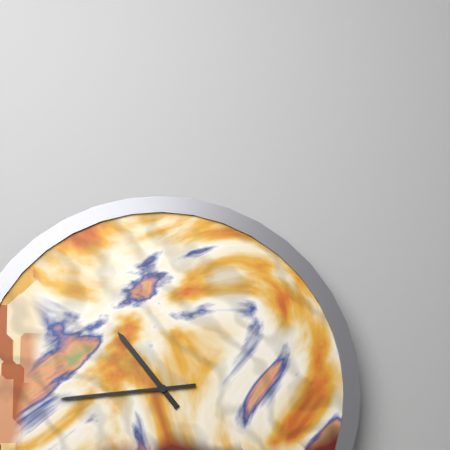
h=10 m=44
